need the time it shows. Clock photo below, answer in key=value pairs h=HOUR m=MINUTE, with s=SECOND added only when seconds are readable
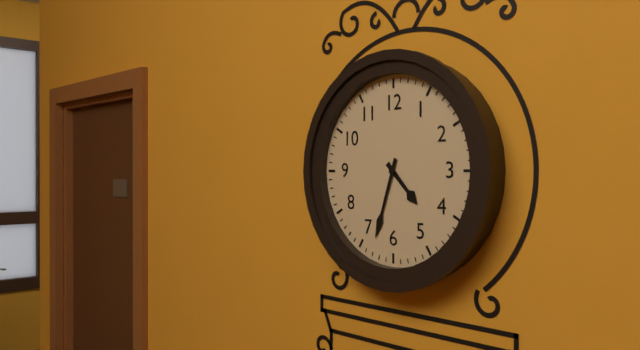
h=4 m=33
